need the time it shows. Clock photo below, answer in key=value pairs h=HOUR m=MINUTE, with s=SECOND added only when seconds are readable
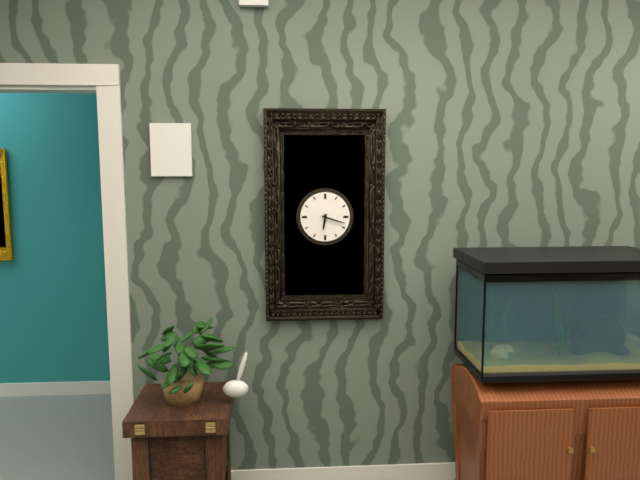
h=6 m=18
